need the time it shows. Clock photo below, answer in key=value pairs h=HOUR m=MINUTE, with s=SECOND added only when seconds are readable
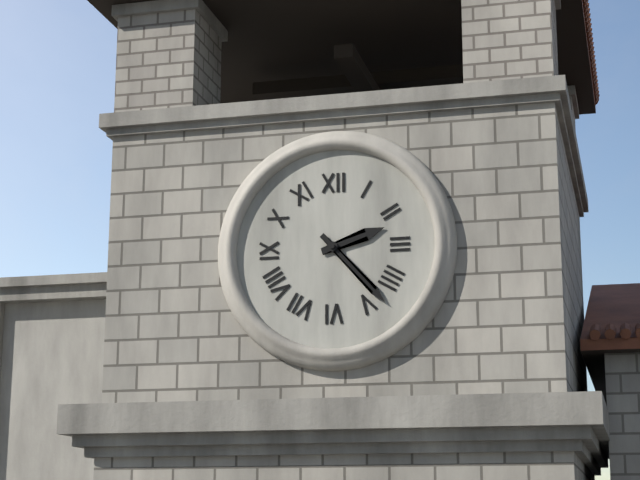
h=2 m=23
